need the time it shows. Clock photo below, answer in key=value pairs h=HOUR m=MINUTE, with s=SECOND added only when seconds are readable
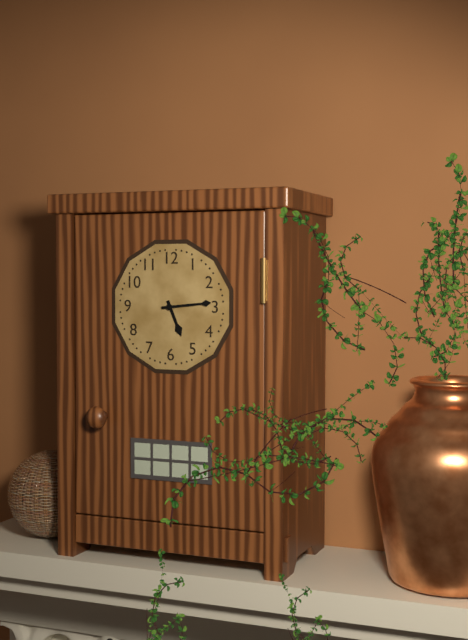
h=5 m=14
